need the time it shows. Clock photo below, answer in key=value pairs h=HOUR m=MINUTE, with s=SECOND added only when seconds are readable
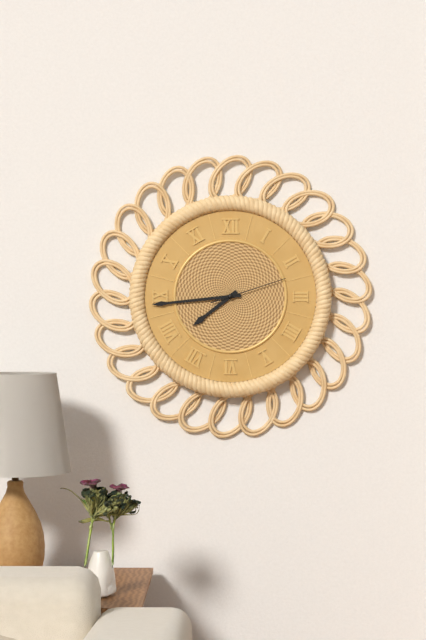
h=7 m=44 s=12
